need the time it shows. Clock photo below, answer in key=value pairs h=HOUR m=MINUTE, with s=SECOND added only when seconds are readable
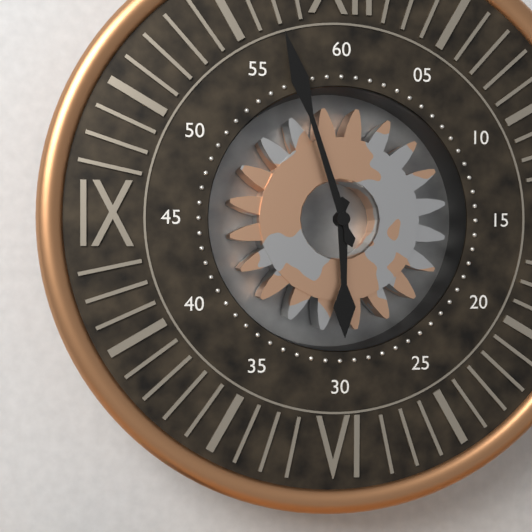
h=5 m=57
